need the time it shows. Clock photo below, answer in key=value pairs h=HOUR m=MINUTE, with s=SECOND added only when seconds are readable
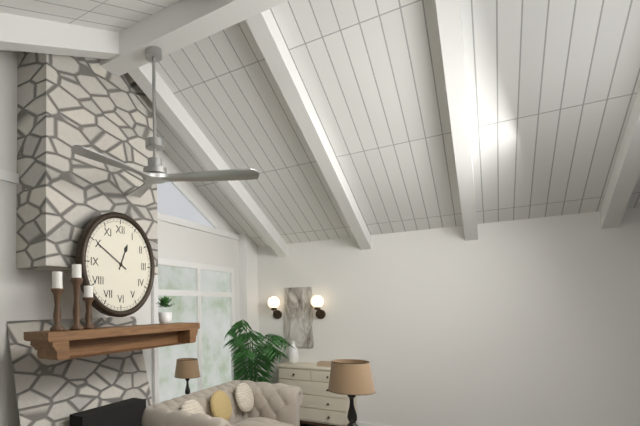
h=12 m=50
